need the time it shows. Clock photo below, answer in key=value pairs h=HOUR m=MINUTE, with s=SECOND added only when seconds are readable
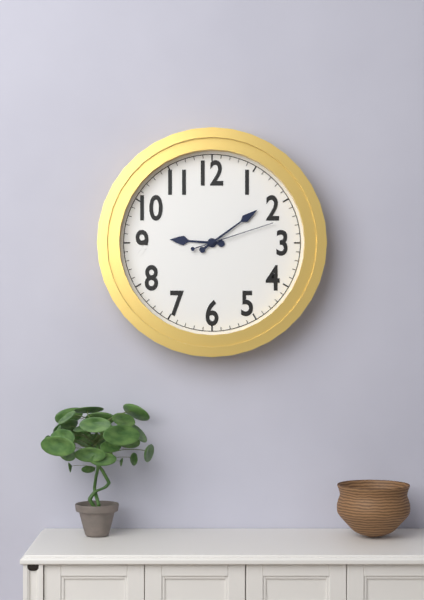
h=9 m=9 s=12
